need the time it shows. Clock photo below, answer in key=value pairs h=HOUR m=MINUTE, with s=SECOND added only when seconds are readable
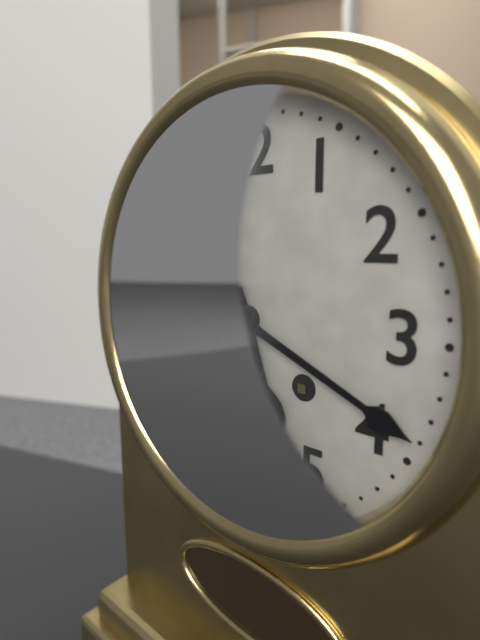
h=5 m=19
